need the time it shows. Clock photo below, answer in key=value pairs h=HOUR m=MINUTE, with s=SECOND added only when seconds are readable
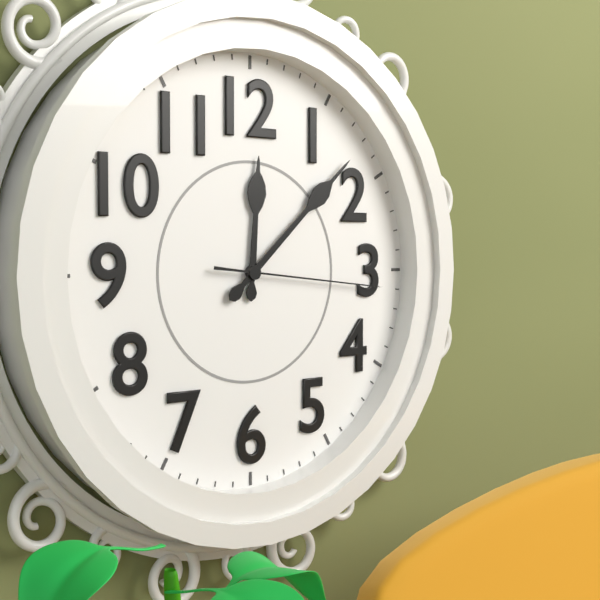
h=12 m=8 s=16
